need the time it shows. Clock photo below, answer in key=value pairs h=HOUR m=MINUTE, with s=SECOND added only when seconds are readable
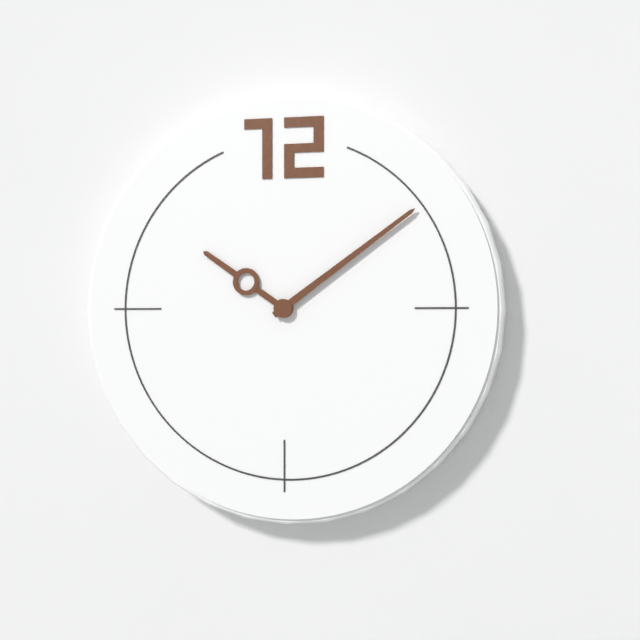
h=10 m=9
